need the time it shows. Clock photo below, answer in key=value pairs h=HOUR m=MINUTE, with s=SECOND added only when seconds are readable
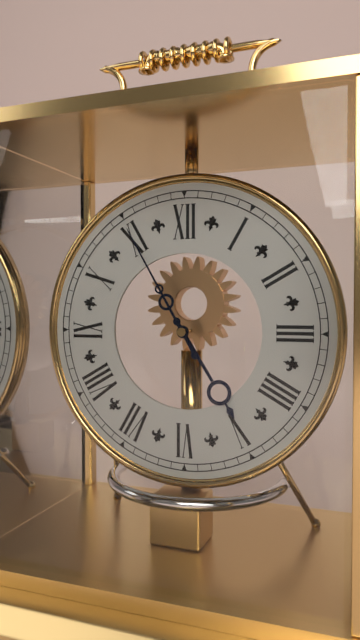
h=4 m=55
